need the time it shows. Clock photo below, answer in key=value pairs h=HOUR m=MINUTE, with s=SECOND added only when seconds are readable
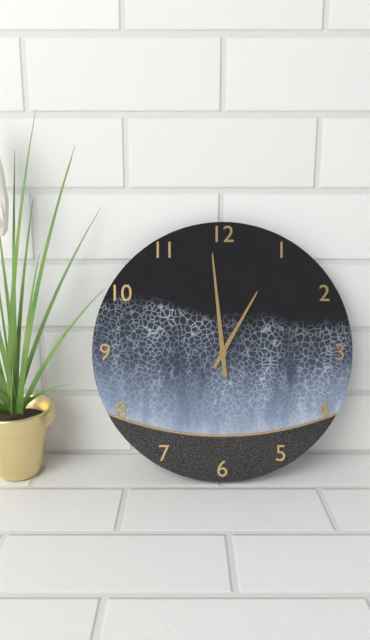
h=12 m=59
